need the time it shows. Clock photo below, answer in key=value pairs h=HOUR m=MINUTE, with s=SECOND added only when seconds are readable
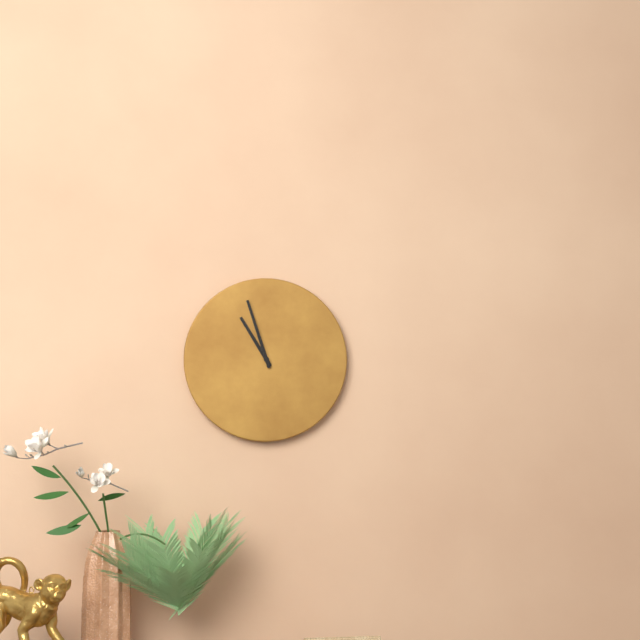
h=10 m=57
